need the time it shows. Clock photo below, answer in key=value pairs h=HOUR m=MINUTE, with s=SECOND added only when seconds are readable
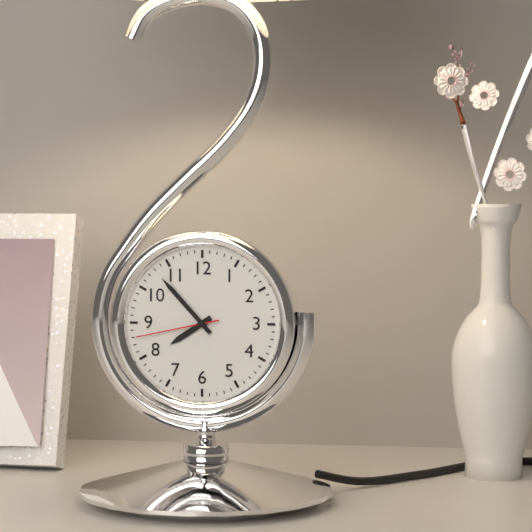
h=7 m=53 s=43
